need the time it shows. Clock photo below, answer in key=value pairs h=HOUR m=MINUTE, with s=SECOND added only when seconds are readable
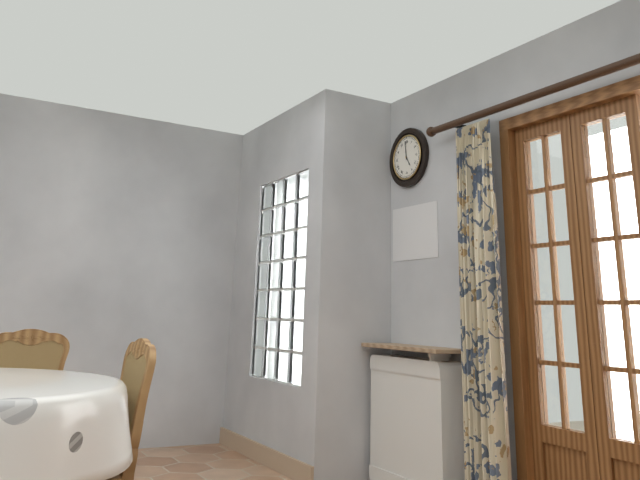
h=4 m=59
